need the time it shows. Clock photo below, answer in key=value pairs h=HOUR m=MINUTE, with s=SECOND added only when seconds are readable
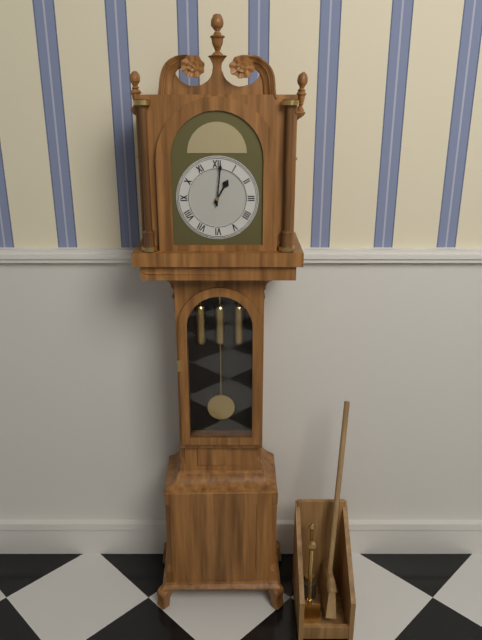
h=1 m=1
